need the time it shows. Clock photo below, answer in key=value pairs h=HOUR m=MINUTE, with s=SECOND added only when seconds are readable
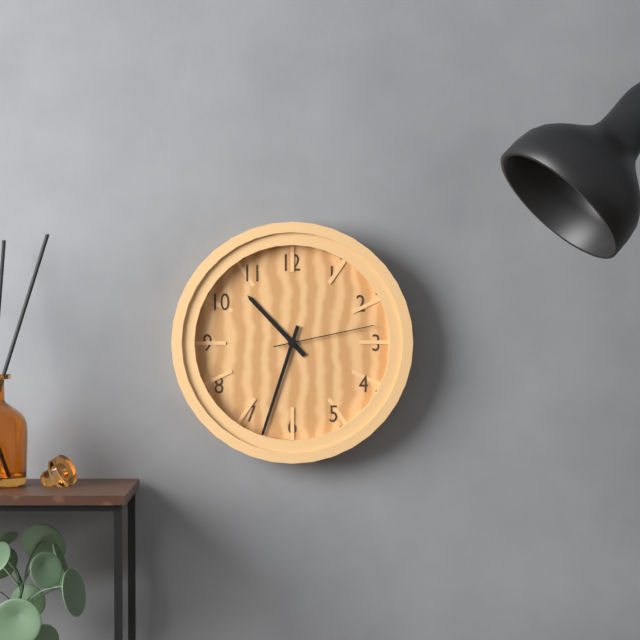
h=10 m=33 s=13
